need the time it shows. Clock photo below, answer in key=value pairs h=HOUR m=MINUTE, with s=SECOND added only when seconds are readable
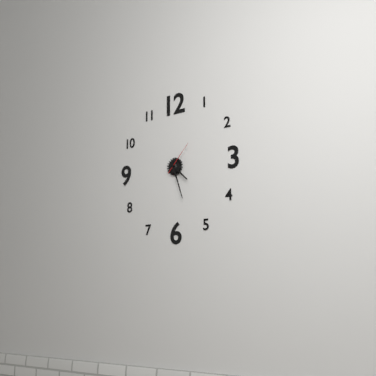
h=4 m=27
